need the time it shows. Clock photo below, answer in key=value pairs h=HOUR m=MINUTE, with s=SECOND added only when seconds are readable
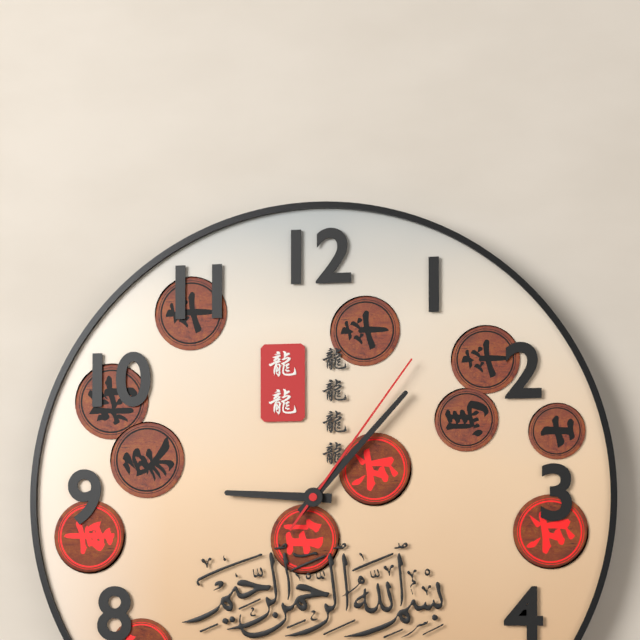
h=9 m=7 s=6
